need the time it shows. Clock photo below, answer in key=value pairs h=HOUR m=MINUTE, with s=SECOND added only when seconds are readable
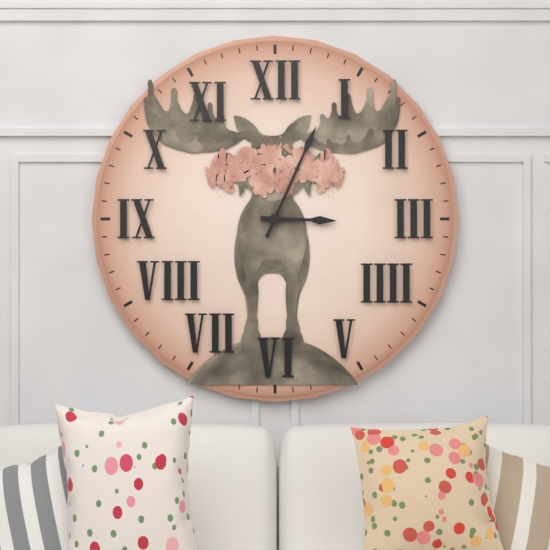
h=3 m=4
